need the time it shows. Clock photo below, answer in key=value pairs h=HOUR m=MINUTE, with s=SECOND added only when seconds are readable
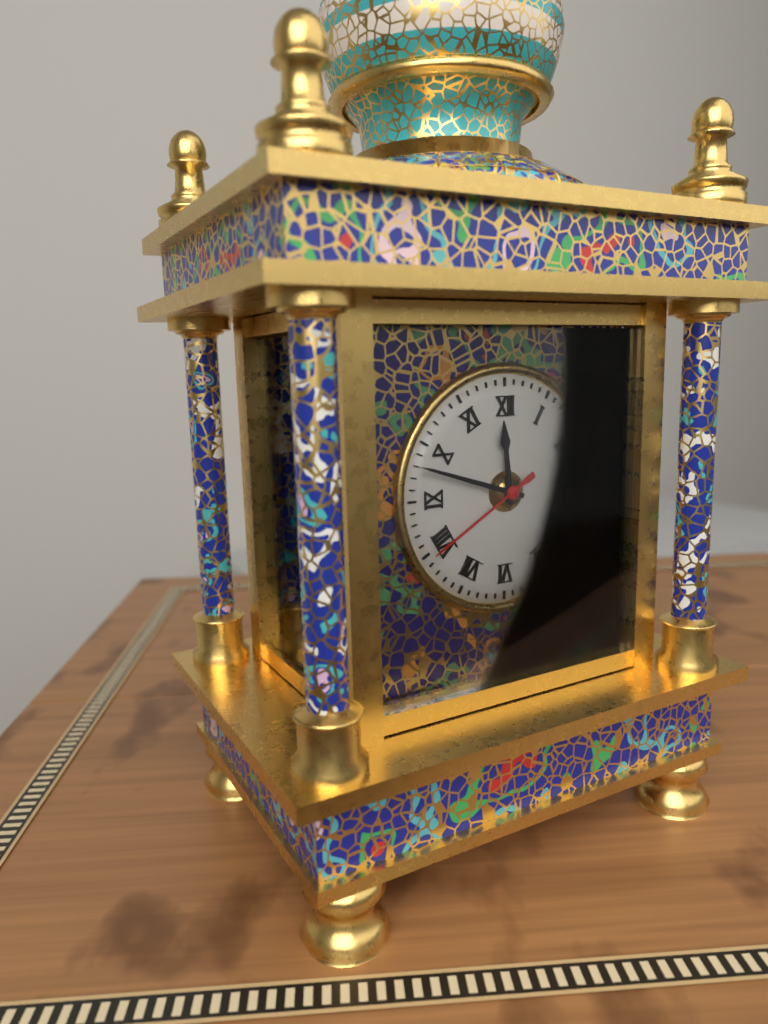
h=11 m=48 s=40
